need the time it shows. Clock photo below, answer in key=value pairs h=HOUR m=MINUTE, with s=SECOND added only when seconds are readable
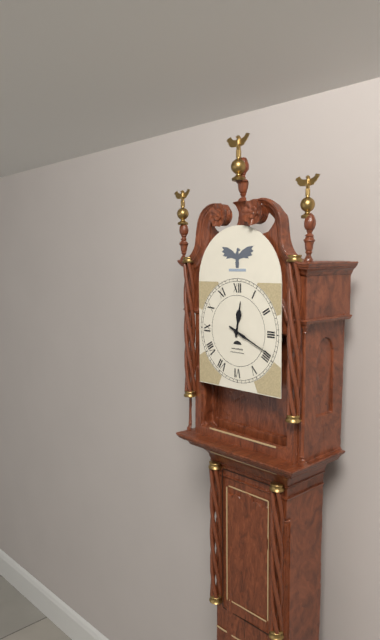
h=12 m=19
